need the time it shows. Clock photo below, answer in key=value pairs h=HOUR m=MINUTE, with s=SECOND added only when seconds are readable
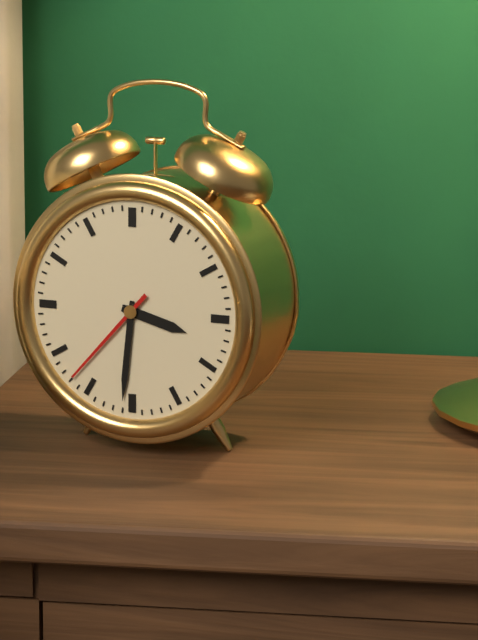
h=3 m=31 s=37
